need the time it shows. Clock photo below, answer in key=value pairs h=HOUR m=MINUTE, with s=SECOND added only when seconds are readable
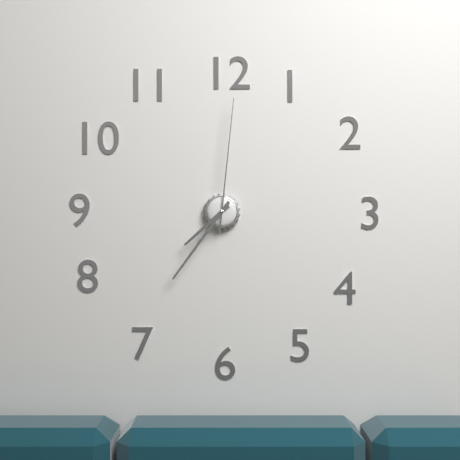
h=7 m=36 s=1
